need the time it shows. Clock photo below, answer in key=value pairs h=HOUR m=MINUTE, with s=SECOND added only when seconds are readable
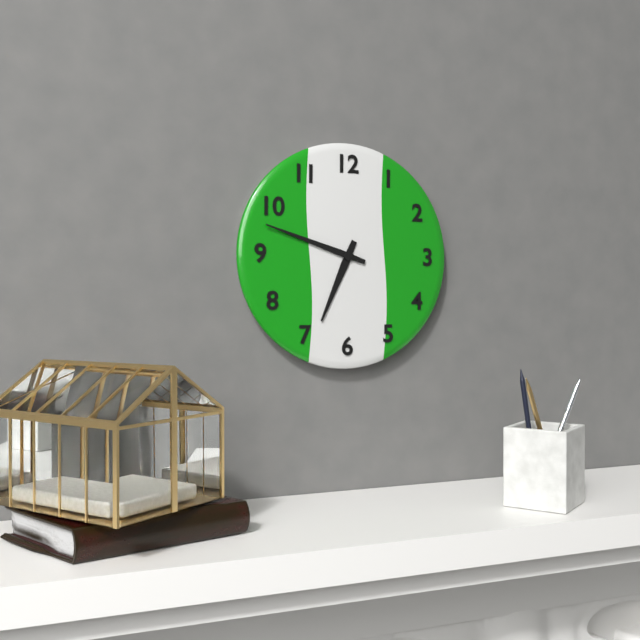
h=6 m=48
